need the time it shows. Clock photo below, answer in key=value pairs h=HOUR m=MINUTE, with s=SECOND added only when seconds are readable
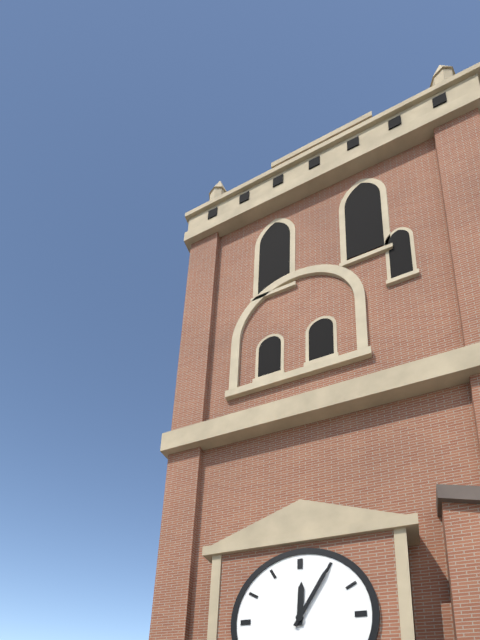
h=12 m=5
